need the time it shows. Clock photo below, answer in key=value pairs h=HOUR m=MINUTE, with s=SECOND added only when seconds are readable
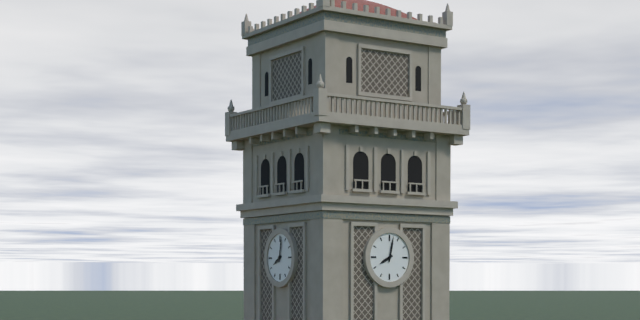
h=8 m=2
